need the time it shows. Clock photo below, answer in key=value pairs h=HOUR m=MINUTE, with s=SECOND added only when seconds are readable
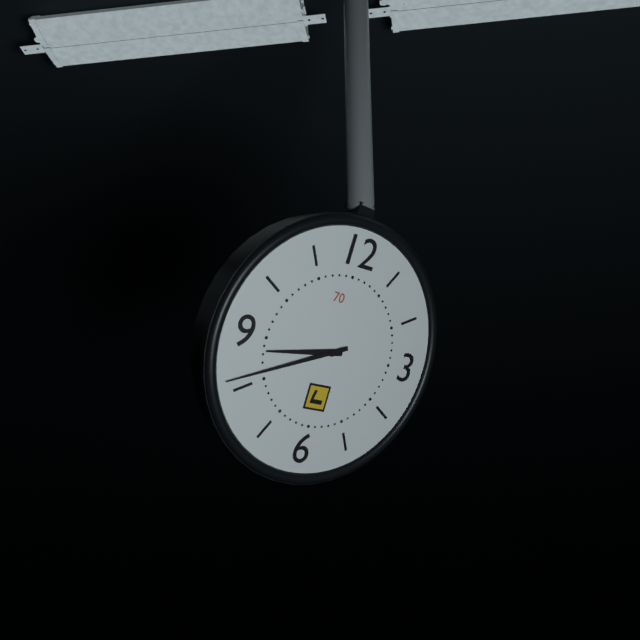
h=8 m=41
